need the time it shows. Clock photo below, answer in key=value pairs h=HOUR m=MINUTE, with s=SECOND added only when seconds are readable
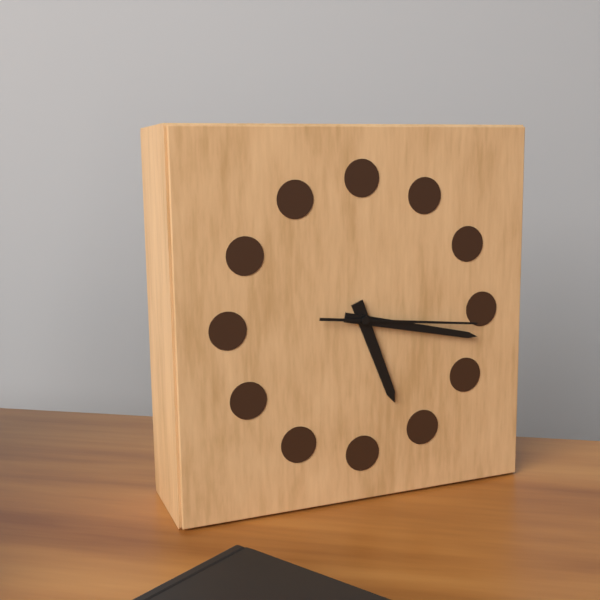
h=5 m=17 s=16
